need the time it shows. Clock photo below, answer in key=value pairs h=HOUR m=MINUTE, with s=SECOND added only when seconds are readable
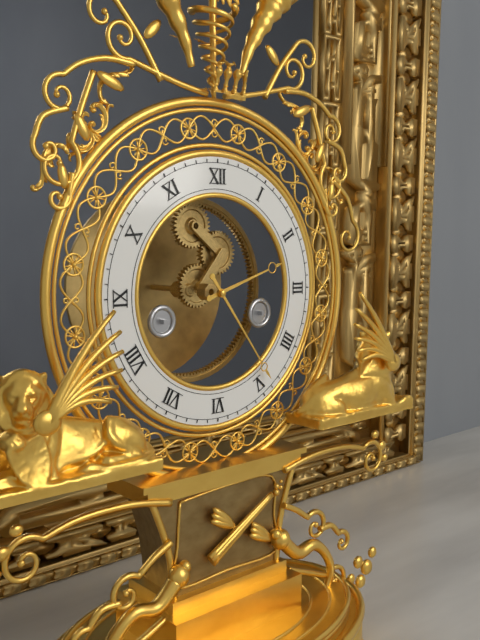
h=2 m=24
